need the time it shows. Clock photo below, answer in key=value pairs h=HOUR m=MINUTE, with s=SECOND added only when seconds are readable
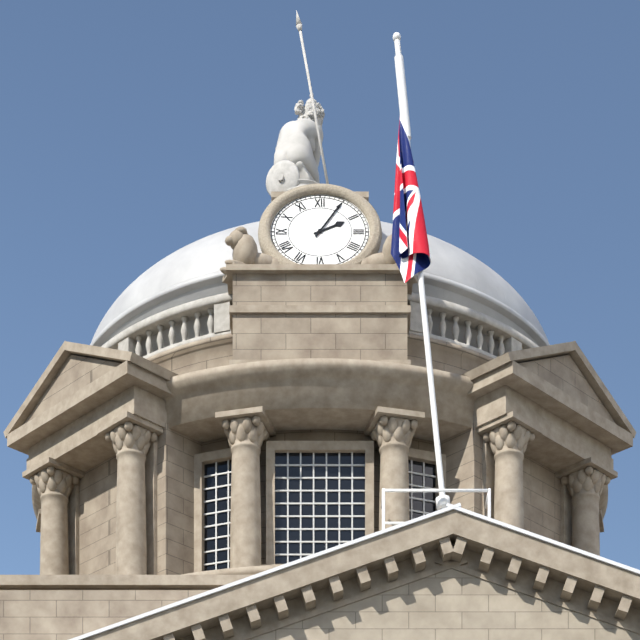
h=2 m=5
